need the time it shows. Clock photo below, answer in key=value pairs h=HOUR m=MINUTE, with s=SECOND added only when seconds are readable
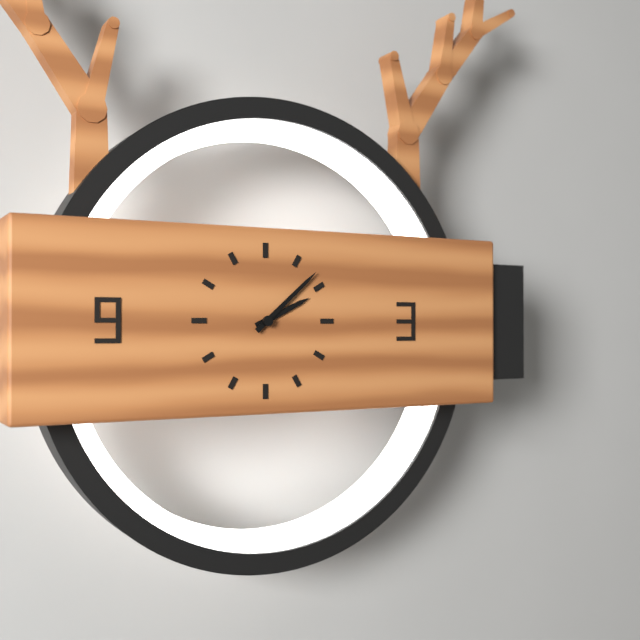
h=2 m=8
